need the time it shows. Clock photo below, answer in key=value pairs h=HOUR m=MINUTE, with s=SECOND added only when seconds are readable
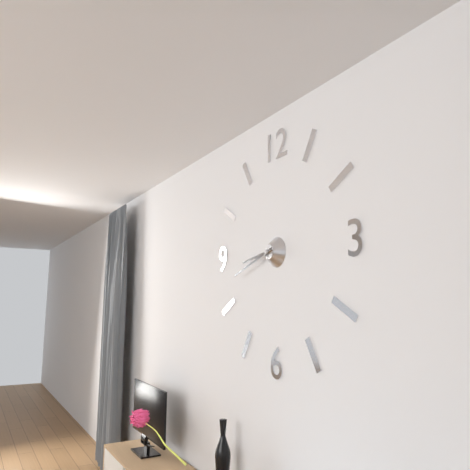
h=8 m=42
